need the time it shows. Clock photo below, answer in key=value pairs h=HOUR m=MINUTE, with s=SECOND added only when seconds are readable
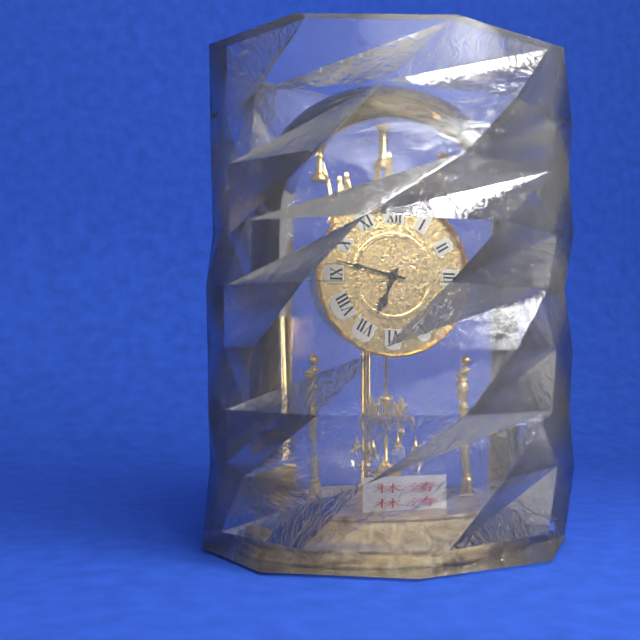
h=6 m=47
